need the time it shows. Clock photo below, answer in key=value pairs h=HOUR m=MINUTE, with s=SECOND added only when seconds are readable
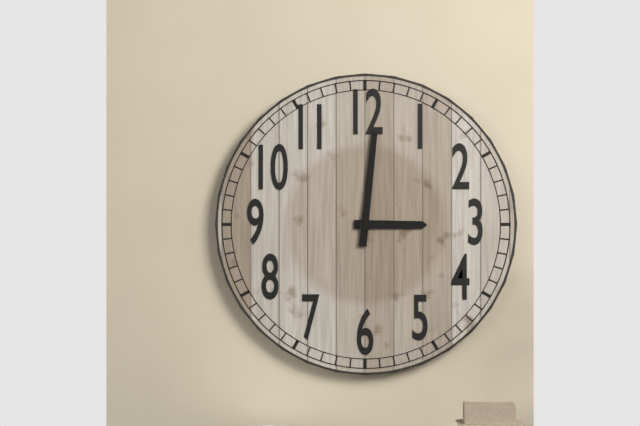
h=3 m=1
